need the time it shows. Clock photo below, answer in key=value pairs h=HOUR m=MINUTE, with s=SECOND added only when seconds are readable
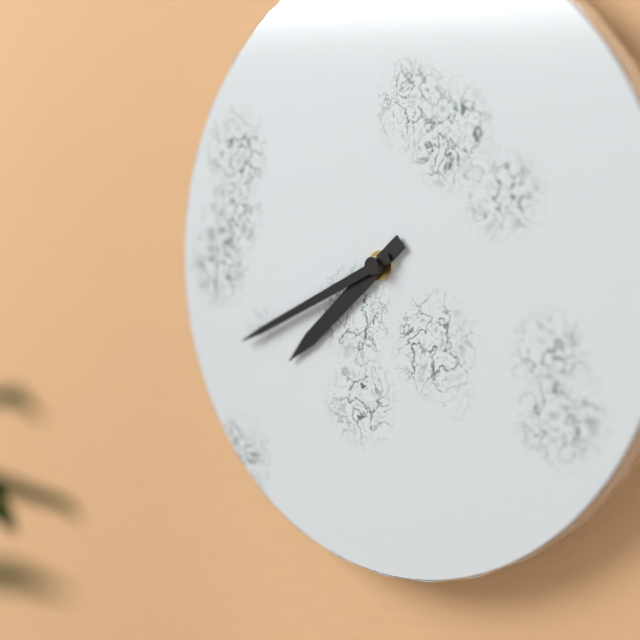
h=7 m=41
